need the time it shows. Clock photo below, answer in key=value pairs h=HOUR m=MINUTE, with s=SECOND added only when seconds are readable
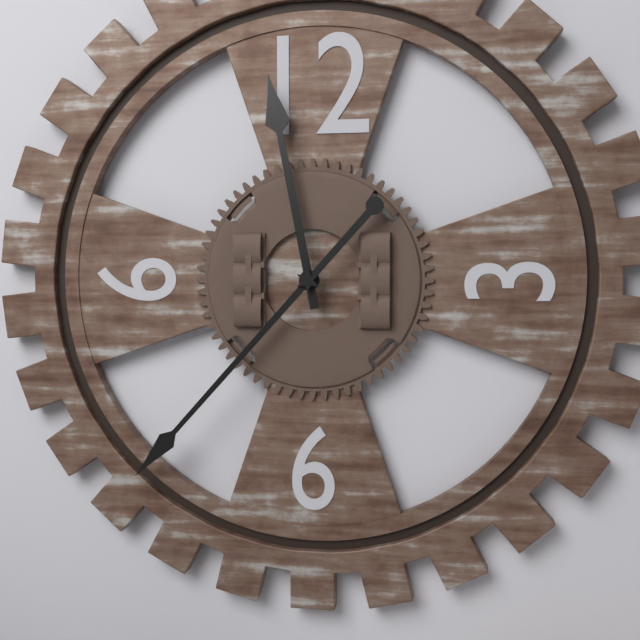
h=11 m=37
